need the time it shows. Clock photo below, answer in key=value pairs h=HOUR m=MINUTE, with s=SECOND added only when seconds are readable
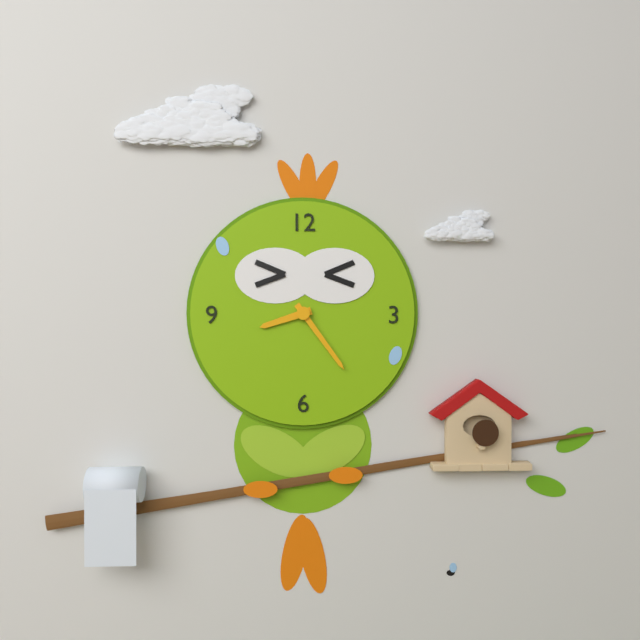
h=8 m=24
